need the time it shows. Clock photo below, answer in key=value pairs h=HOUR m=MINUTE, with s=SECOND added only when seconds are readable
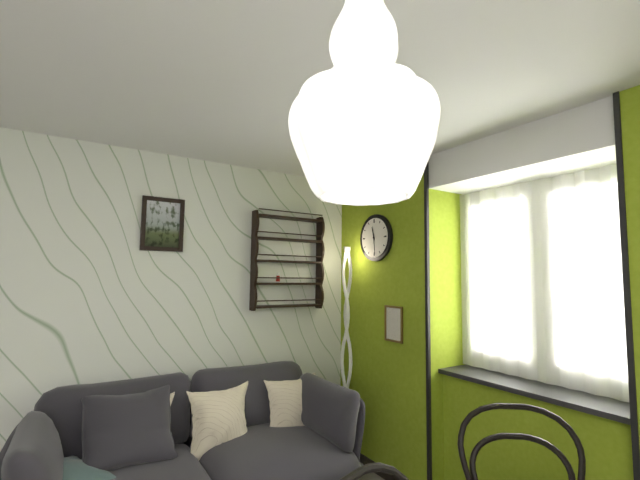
h=11 m=29
